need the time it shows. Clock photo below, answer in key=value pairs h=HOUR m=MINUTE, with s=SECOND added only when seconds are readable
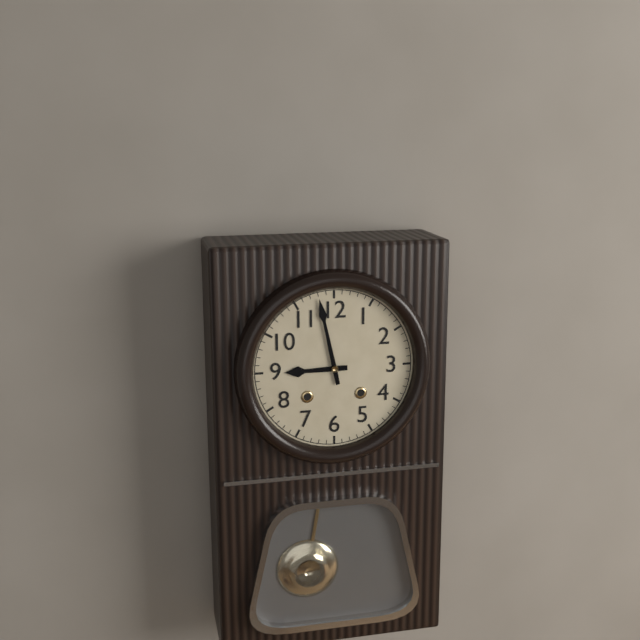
h=8 m=58
